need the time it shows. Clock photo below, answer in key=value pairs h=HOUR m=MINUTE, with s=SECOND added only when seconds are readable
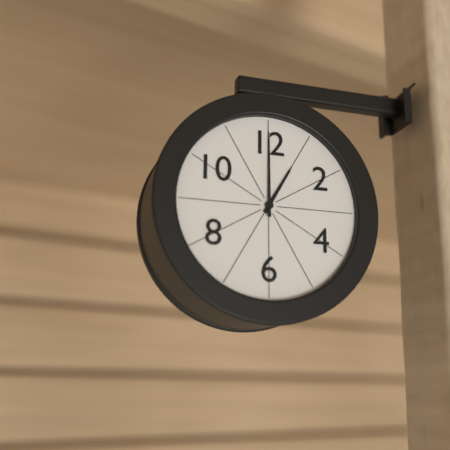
h=1 m=0
